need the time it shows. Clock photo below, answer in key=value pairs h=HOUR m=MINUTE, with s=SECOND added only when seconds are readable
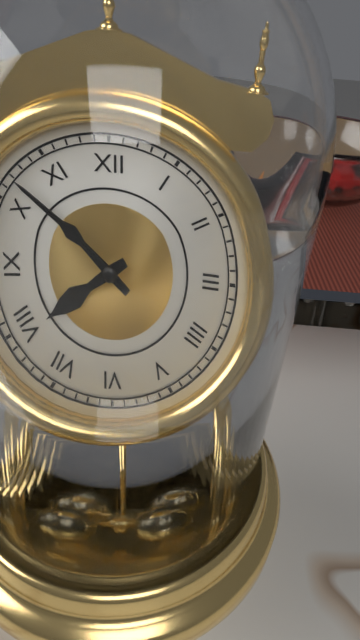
h=7 m=52
